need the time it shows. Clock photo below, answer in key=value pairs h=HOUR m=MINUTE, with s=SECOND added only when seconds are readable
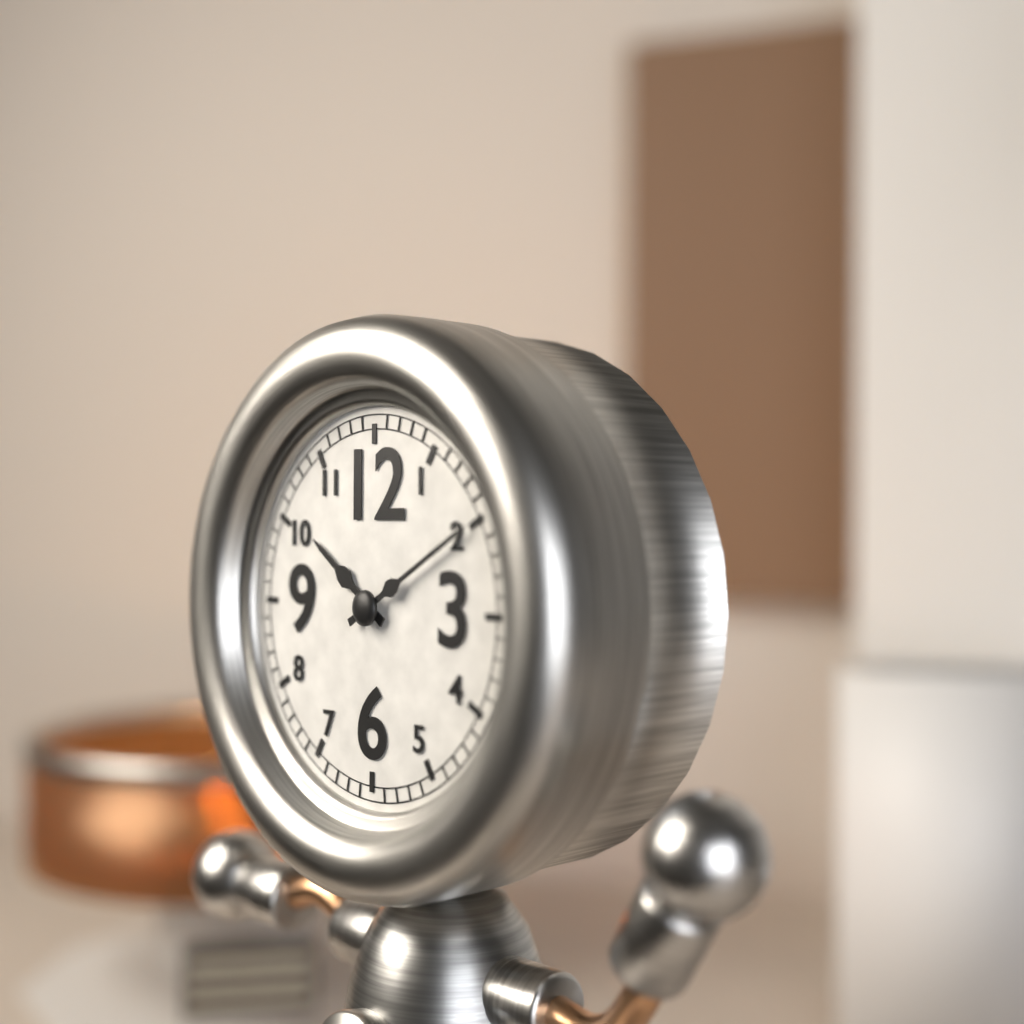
h=10 m=10
